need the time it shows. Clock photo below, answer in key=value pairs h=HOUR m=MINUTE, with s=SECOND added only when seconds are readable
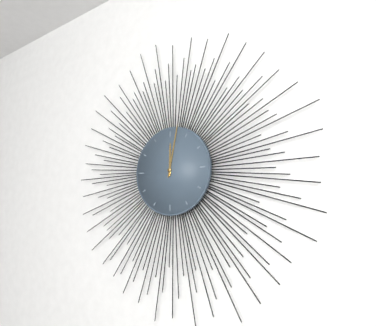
h=12 m=2
